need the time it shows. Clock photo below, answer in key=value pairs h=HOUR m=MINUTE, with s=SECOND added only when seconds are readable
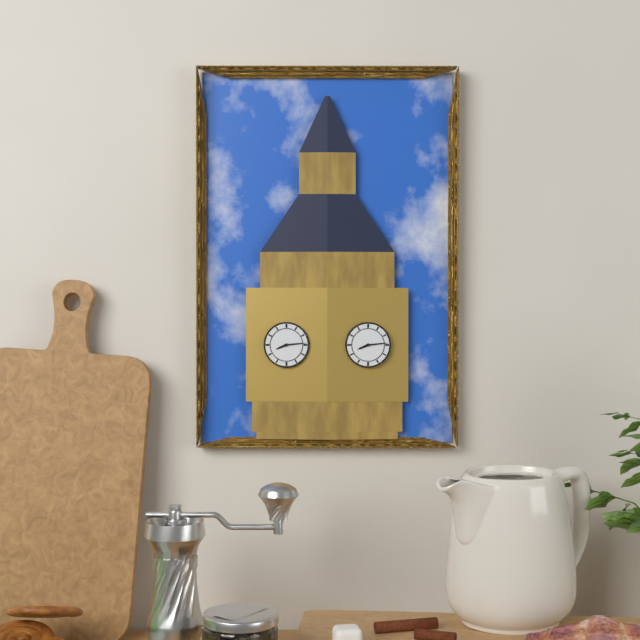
h=8 m=14
